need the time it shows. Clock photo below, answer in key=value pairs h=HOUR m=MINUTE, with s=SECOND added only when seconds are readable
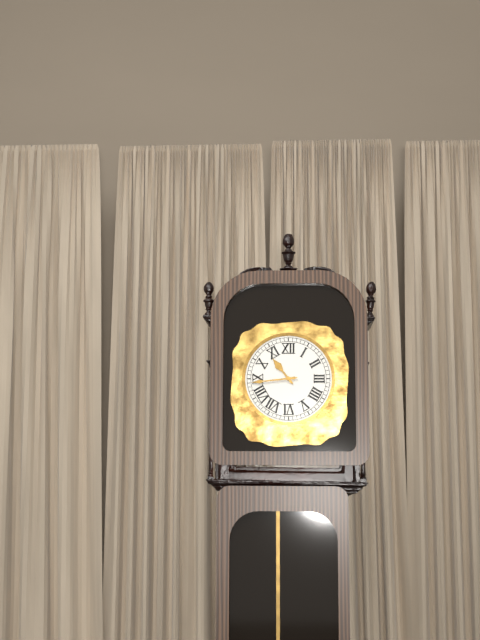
h=10 m=44
